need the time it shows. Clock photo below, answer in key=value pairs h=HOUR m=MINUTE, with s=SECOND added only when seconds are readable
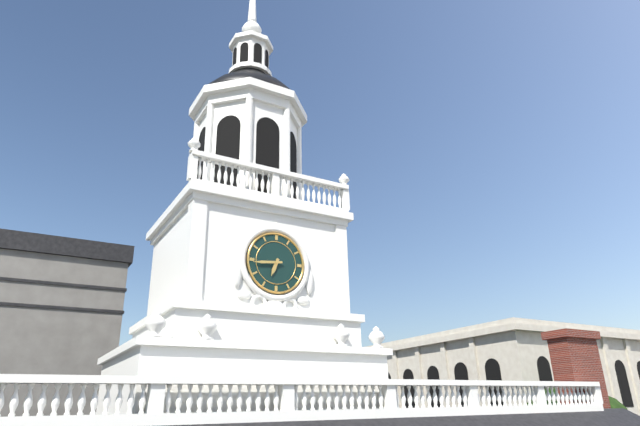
h=6 m=44
